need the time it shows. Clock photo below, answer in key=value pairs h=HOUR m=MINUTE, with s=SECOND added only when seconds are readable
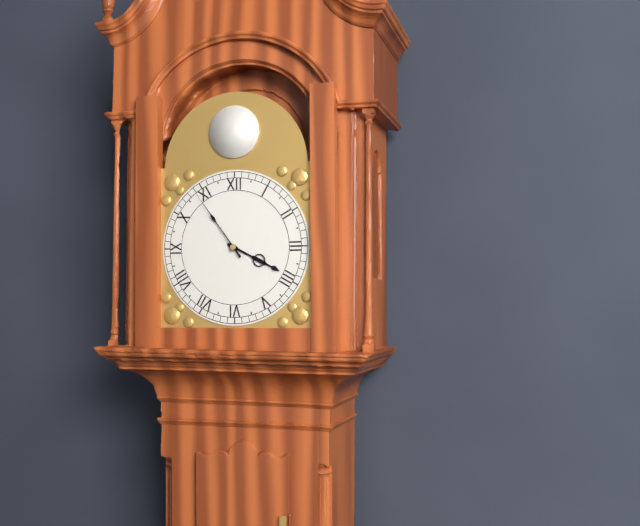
h=3 m=54
